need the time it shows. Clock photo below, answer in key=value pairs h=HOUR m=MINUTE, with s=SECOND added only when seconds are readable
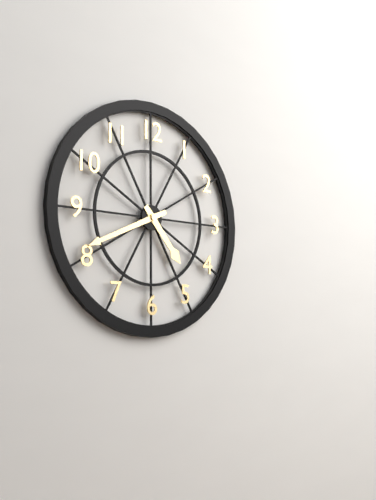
h=4 m=41
